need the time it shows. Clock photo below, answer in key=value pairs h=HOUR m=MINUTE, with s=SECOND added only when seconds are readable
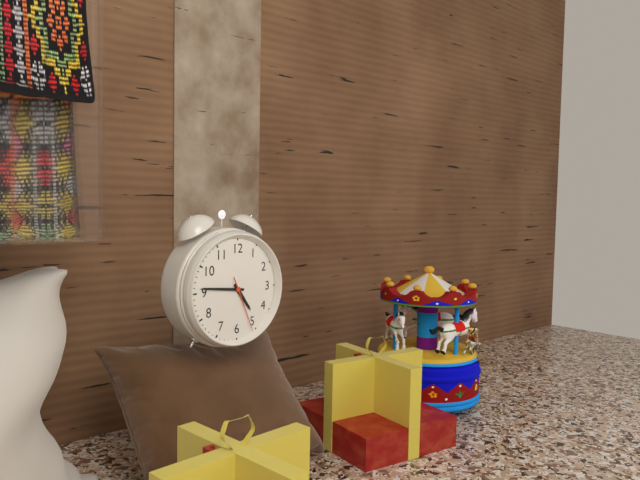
h=4 m=46 s=26
